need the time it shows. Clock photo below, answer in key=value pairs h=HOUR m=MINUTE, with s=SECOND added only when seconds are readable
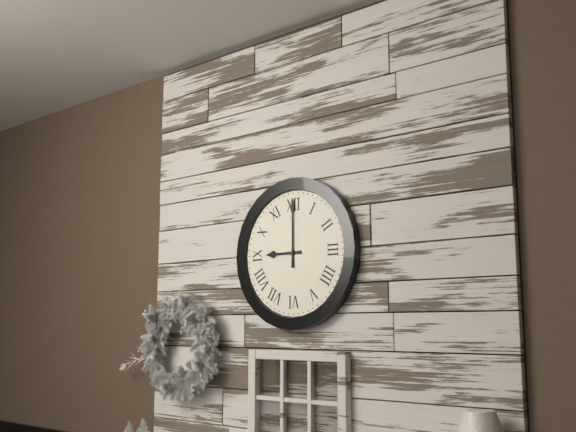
h=9 m=0
